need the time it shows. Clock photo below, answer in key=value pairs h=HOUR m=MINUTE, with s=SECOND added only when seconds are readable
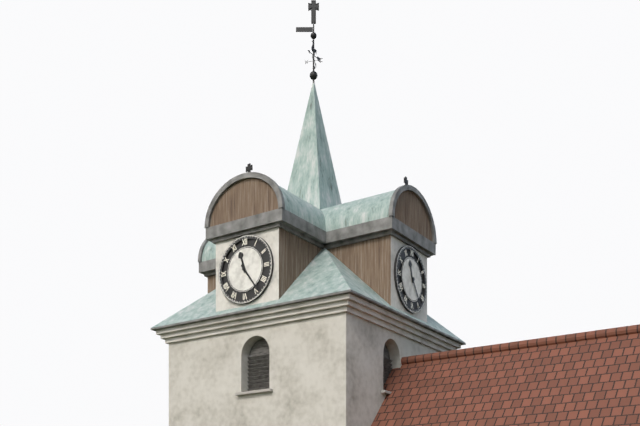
h=11 m=24
